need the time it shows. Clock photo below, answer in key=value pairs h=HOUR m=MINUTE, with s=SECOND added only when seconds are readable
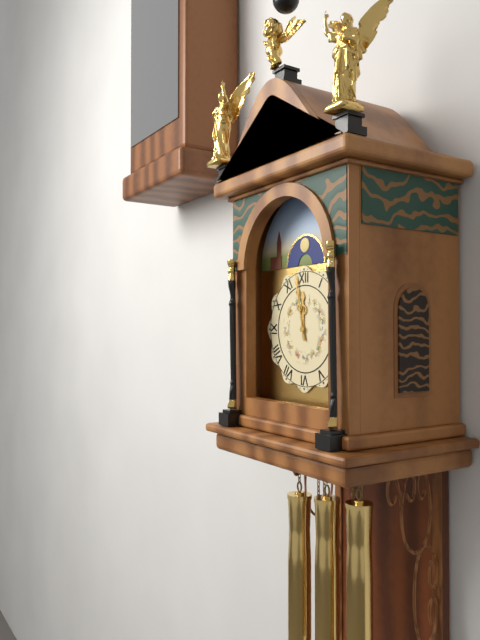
h=11 m=58
